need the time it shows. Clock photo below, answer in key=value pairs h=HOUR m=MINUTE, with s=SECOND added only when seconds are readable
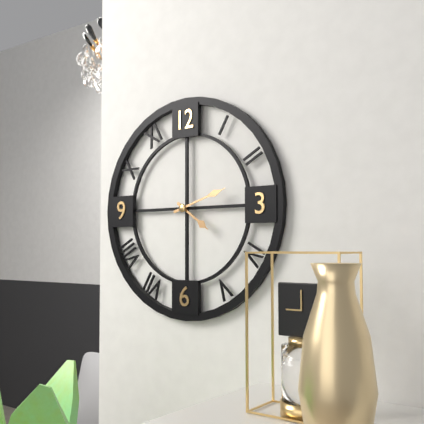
h=4 m=12
